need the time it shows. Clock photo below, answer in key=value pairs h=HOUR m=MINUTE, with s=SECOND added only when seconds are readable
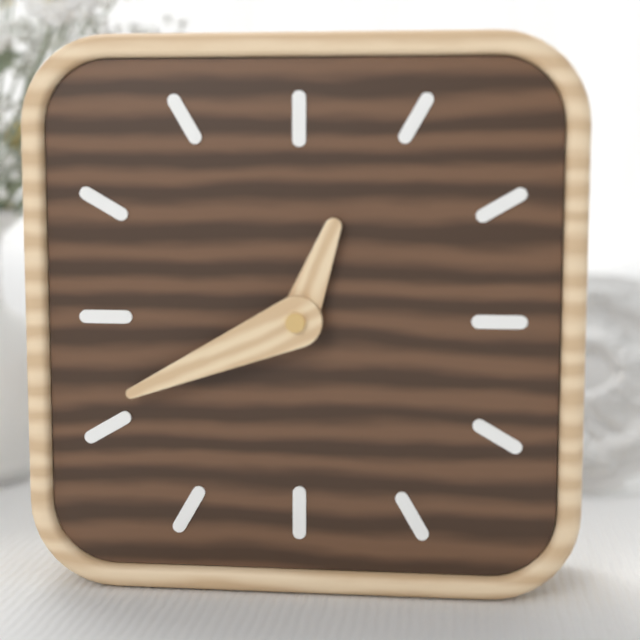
h=12 m=41
